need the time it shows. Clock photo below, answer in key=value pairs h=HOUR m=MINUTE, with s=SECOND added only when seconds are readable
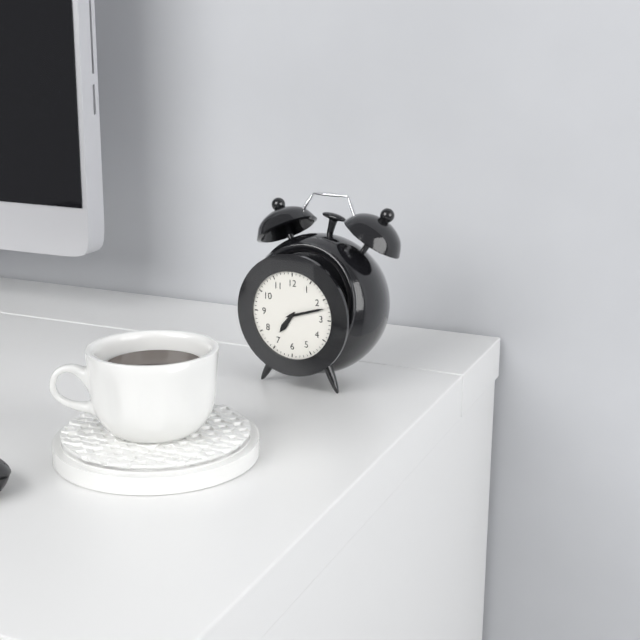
h=7 m=12
